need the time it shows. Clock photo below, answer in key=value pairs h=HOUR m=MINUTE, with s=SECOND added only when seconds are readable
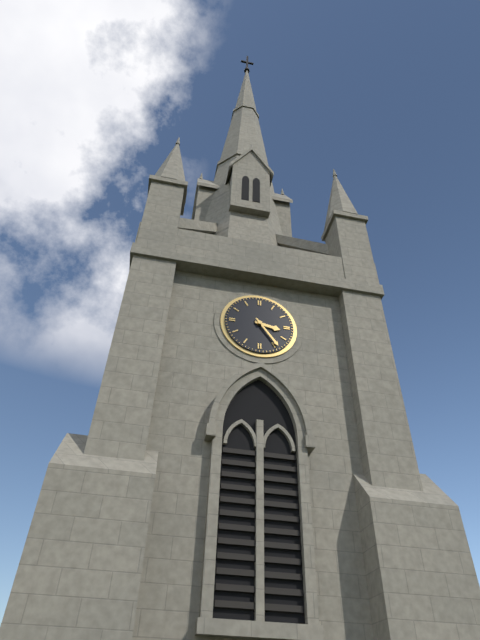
h=3 m=24
